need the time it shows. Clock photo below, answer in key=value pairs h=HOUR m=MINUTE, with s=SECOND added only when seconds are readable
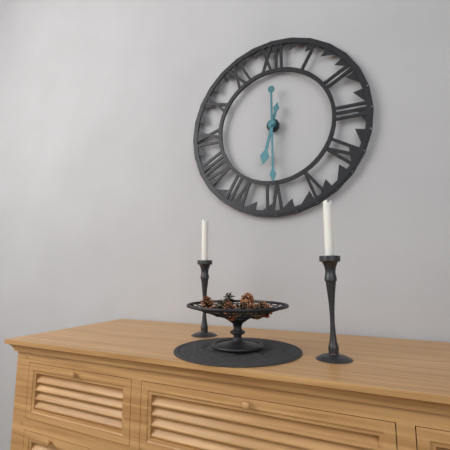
h=6 m=30
